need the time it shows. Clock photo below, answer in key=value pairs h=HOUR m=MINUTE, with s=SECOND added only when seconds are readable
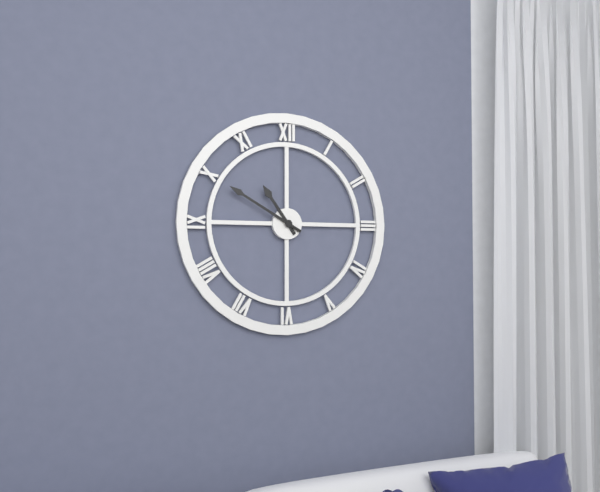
h=10 m=50
